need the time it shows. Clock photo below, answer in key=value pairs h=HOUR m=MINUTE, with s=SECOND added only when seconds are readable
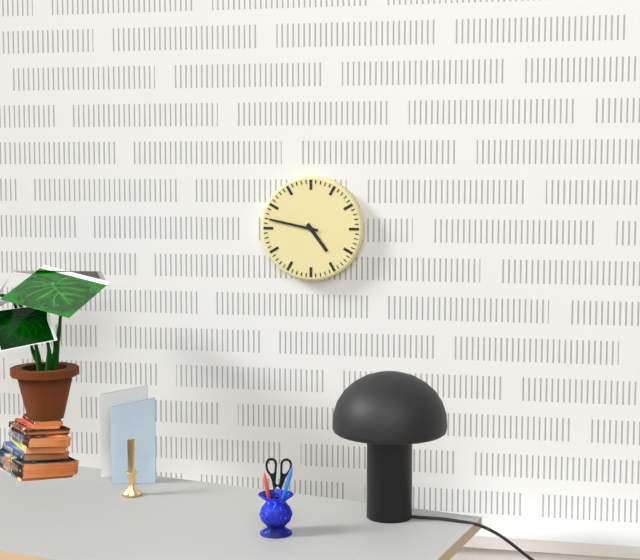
h=4 m=47
